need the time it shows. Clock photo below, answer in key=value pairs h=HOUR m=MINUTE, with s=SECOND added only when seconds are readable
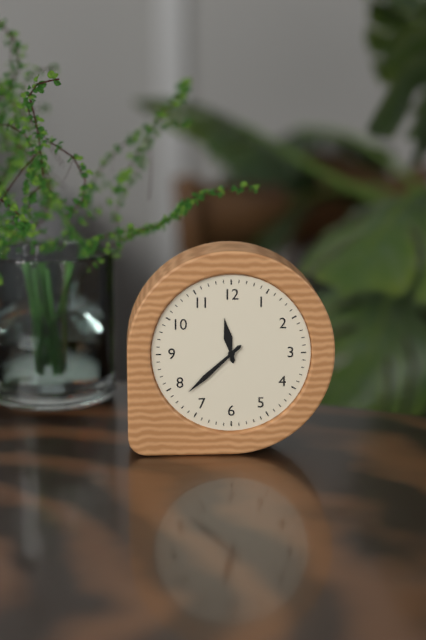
h=11 m=38
